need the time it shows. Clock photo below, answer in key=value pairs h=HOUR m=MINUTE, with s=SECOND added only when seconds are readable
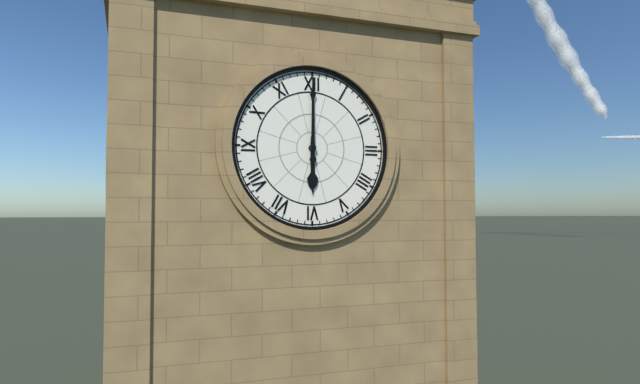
h=6 m=0
